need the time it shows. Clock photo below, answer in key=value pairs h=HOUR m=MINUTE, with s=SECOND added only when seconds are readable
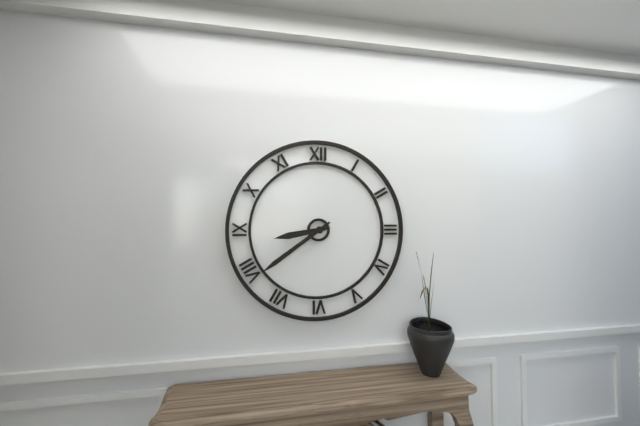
h=8 m=39
